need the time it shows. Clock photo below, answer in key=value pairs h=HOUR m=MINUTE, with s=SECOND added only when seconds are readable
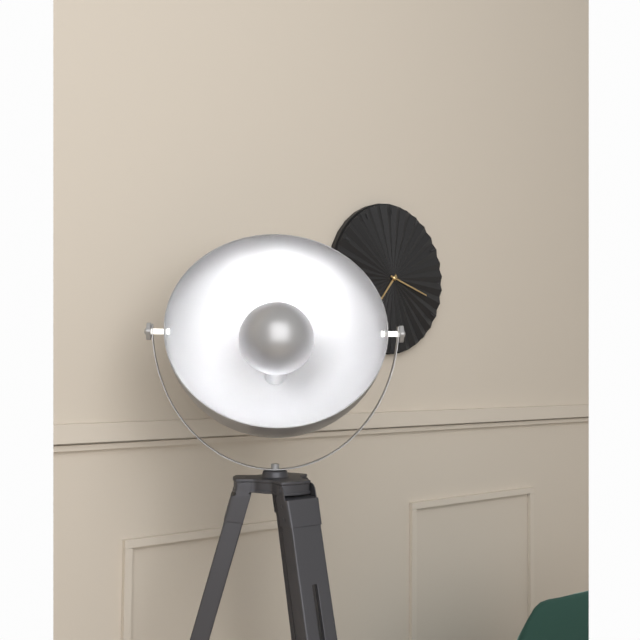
h=7 m=18
